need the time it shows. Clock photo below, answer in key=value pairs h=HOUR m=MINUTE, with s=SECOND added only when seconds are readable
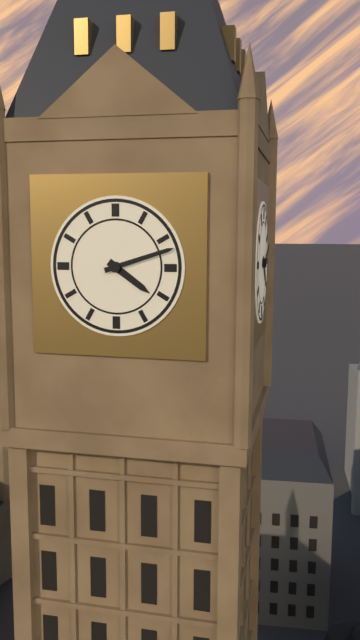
h=4 m=12
